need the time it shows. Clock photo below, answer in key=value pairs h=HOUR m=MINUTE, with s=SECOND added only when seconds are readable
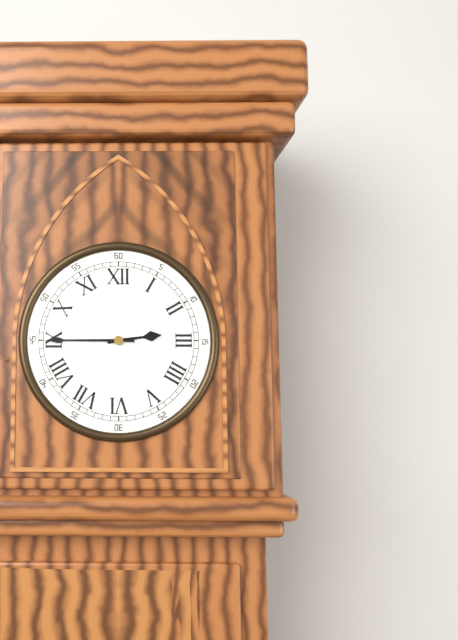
h=2 m=45
